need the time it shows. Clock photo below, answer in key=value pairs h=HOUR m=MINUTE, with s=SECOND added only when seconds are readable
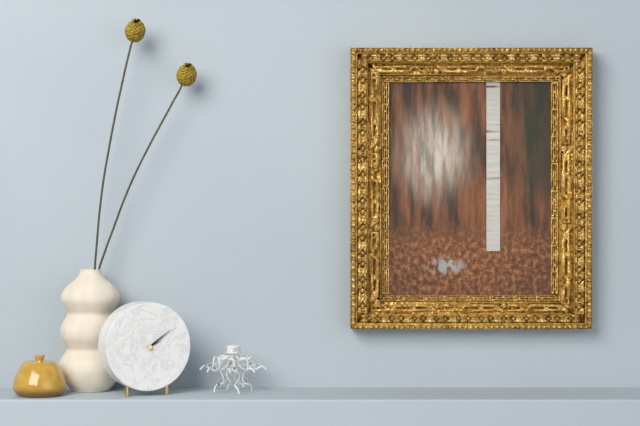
h=2 m=9
